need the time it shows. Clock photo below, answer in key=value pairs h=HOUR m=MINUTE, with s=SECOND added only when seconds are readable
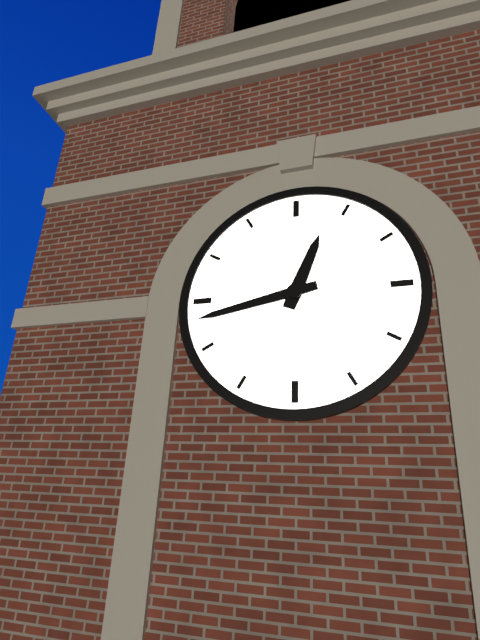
h=12 m=43
